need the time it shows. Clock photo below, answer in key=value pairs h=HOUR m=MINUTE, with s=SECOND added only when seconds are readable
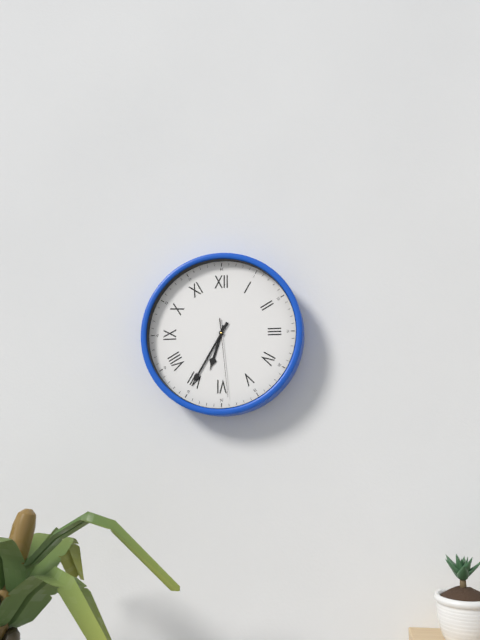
h=6 m=35 s=29
